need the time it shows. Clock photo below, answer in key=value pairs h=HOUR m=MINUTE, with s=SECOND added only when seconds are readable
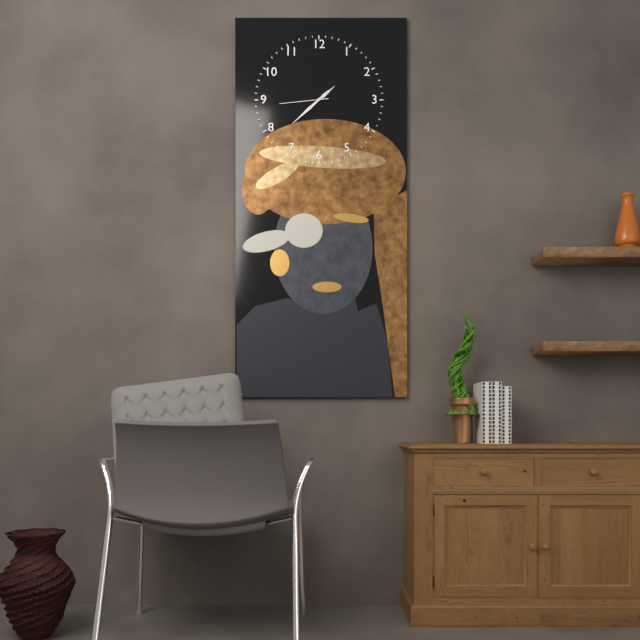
h=1 m=38
